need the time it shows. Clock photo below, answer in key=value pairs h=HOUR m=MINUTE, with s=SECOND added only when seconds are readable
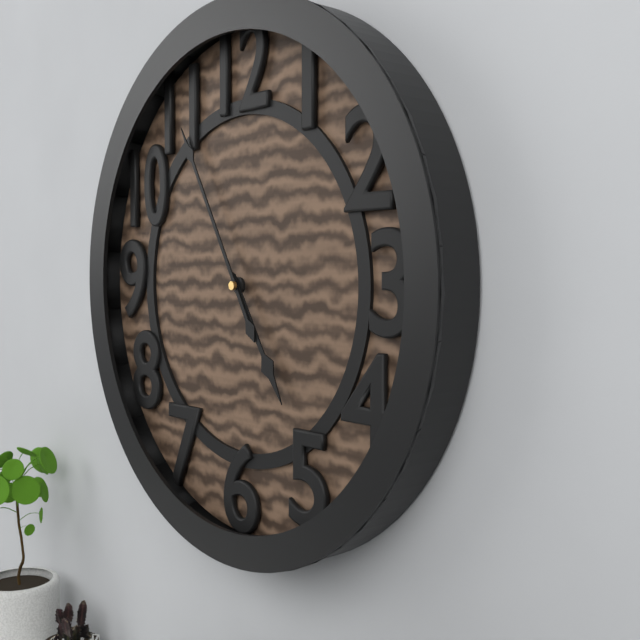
h=4 m=55
